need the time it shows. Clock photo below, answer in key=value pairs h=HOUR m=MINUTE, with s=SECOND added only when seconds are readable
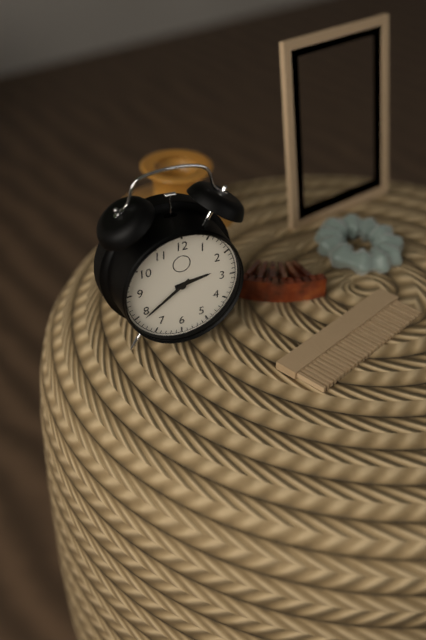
h=2 m=39
